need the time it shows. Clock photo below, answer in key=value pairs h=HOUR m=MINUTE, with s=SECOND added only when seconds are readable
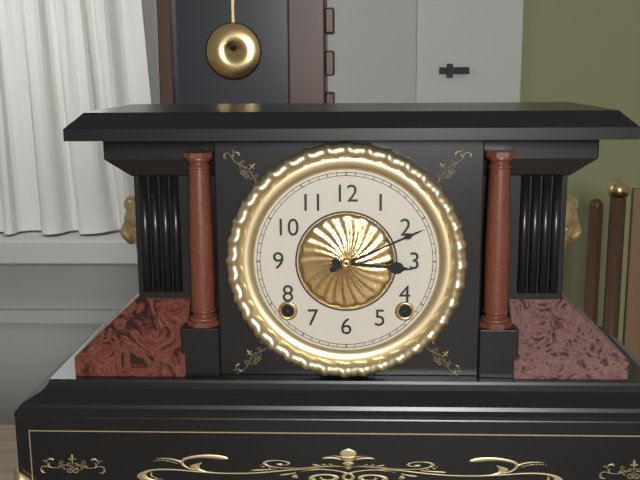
h=3 m=11
